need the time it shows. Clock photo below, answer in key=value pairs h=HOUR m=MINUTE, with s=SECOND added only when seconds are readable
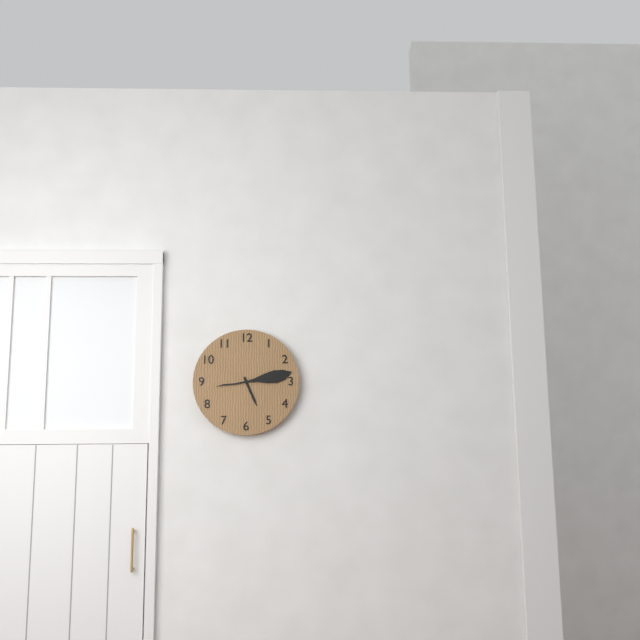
h=5 m=13
